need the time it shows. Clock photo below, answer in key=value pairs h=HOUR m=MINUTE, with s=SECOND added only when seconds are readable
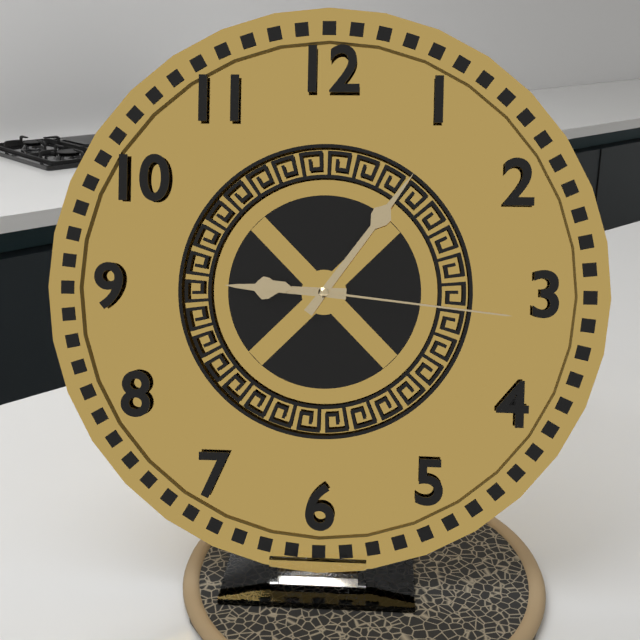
h=9 m=6 s=16
